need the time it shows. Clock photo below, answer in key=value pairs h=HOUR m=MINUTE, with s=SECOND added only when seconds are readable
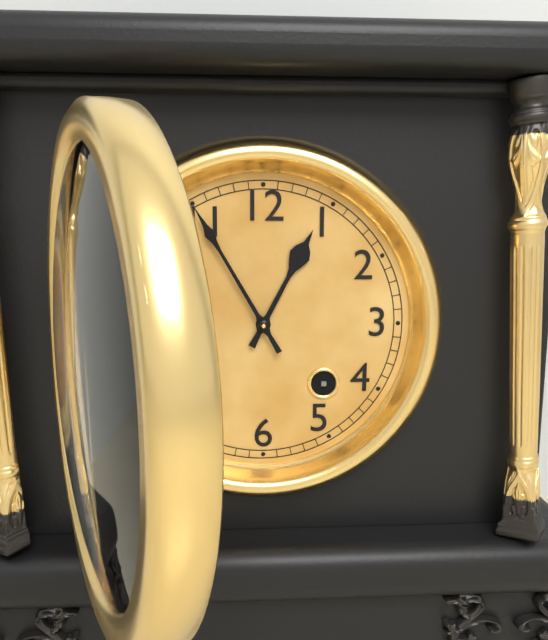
h=12 m=55
